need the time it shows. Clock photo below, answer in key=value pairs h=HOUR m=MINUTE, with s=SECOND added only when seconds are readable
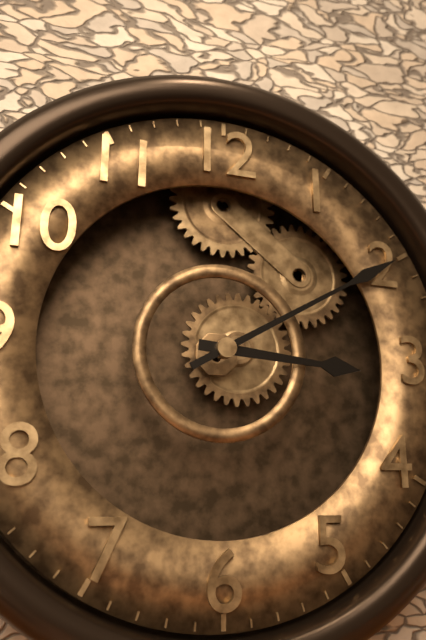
h=3 m=10
